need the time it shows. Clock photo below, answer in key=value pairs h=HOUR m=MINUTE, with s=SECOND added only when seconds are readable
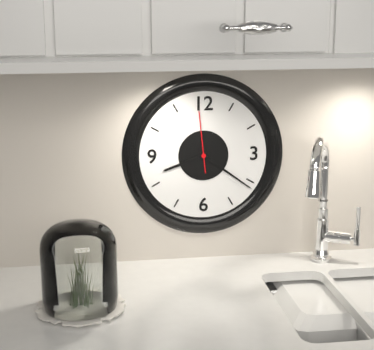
h=8 m=21 s=59
